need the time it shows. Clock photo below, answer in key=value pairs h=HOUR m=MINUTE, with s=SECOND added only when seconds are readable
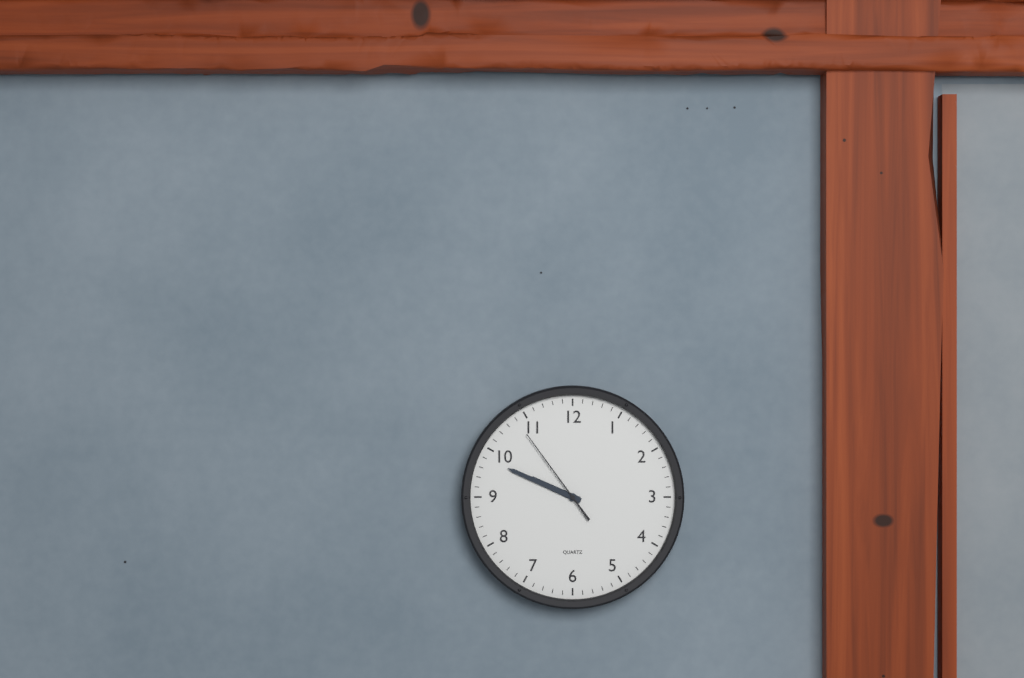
h=9 m=49 s=54
